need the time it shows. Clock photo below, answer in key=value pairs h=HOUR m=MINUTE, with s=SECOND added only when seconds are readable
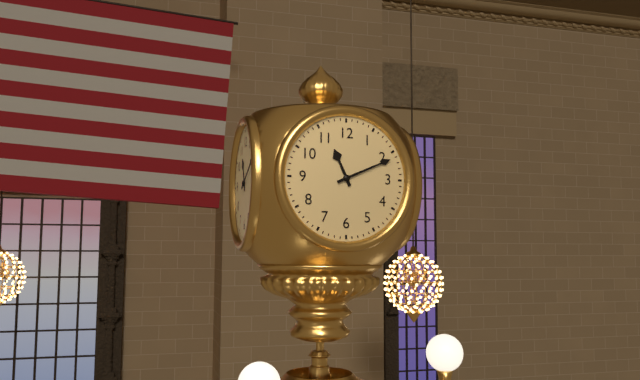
h=11 m=11
